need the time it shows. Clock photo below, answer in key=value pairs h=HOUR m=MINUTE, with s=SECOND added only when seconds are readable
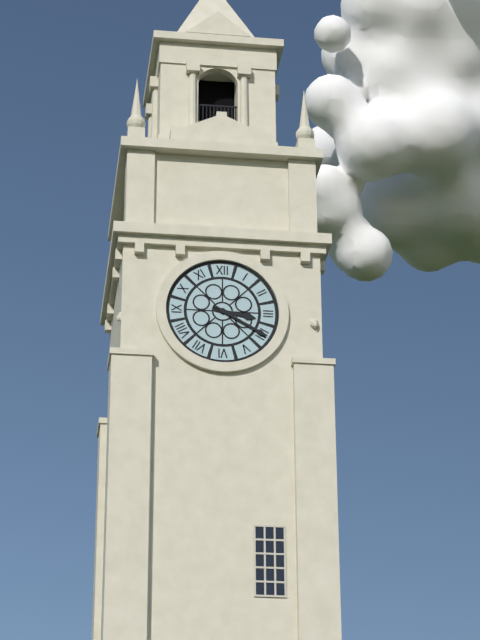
h=3 m=20
